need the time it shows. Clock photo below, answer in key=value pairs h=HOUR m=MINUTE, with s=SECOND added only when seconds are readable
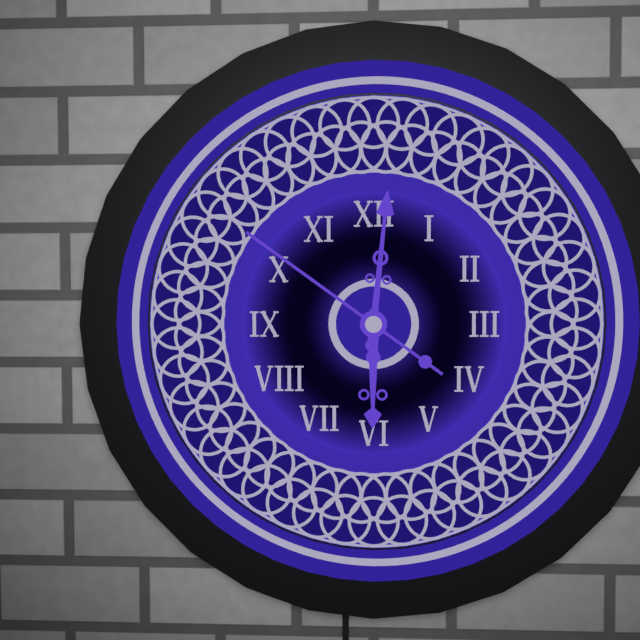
h=6 m=1 s=51
